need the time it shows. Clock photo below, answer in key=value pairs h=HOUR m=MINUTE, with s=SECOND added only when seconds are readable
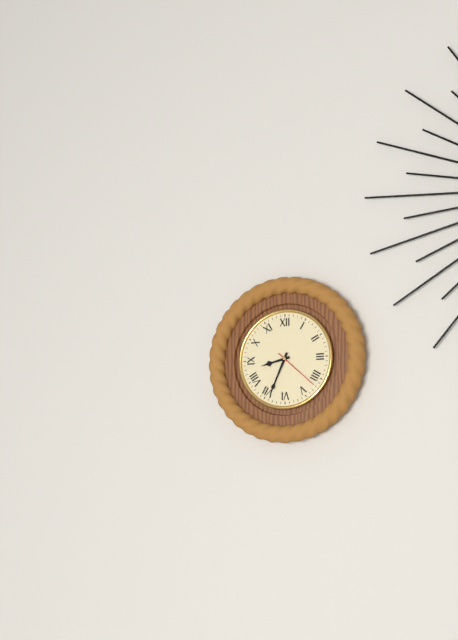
h=8 m=34
